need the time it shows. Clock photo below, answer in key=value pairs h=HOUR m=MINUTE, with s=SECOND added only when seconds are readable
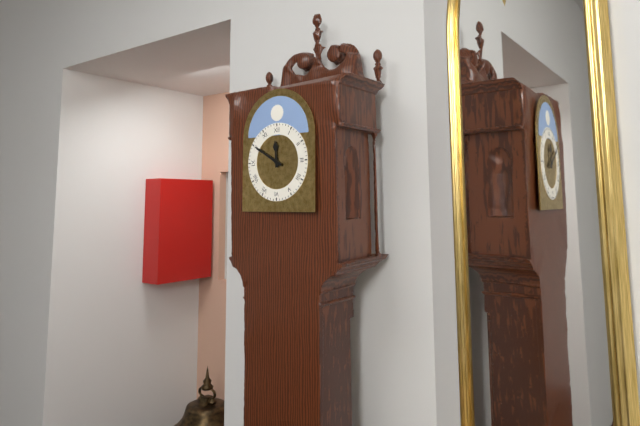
h=11 m=50
